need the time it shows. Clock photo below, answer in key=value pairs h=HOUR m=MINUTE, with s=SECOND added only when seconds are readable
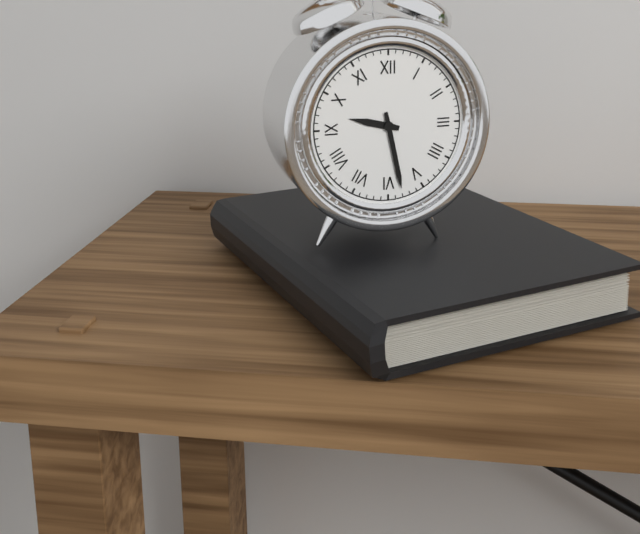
h=9 m=28
